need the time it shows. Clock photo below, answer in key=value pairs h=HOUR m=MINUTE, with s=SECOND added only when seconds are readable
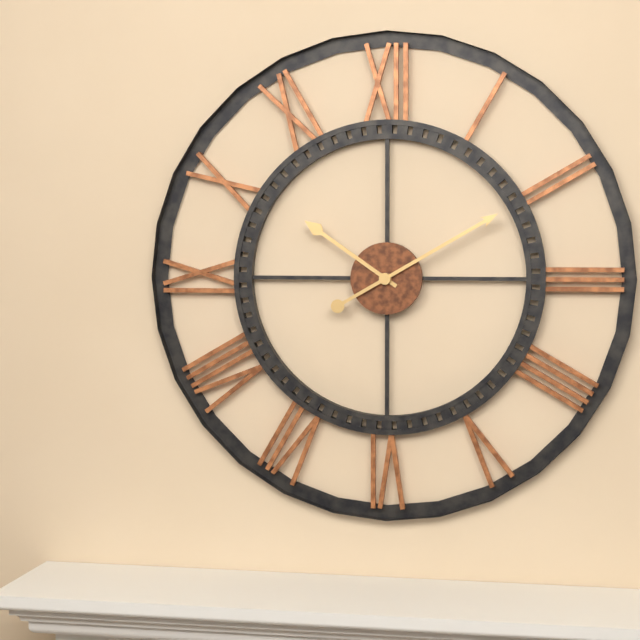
h=10 m=10
